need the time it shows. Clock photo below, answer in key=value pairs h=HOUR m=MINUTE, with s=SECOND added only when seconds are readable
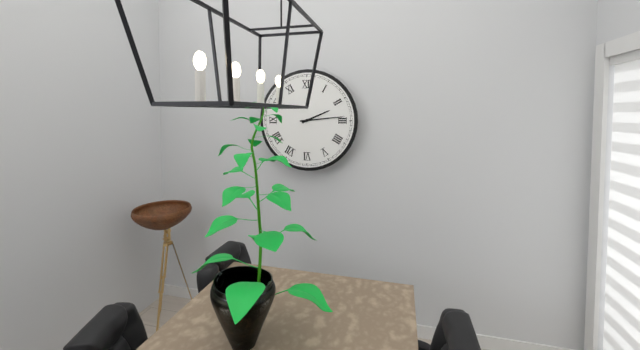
h=2 m=14
